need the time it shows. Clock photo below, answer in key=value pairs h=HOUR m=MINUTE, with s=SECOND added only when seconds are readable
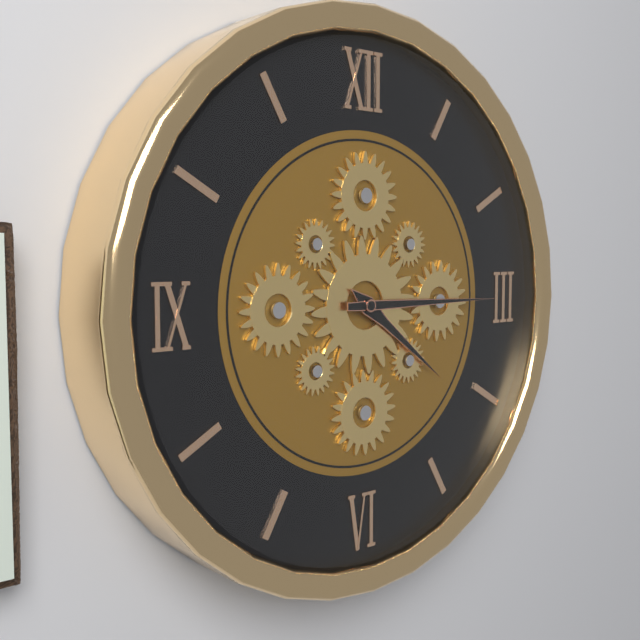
h=4 m=15
